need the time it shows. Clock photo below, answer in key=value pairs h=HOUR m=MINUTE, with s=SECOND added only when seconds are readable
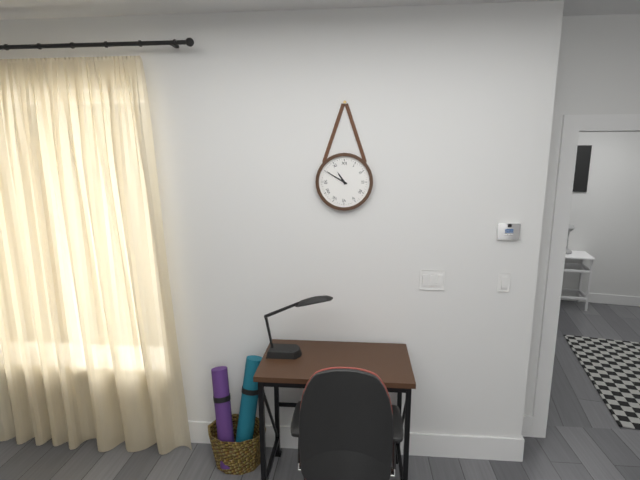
h=10 m=50
